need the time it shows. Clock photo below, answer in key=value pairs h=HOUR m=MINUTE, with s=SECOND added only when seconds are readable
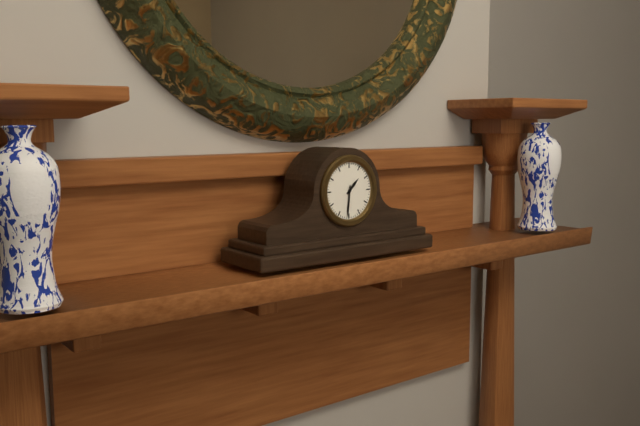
h=1 m=31
